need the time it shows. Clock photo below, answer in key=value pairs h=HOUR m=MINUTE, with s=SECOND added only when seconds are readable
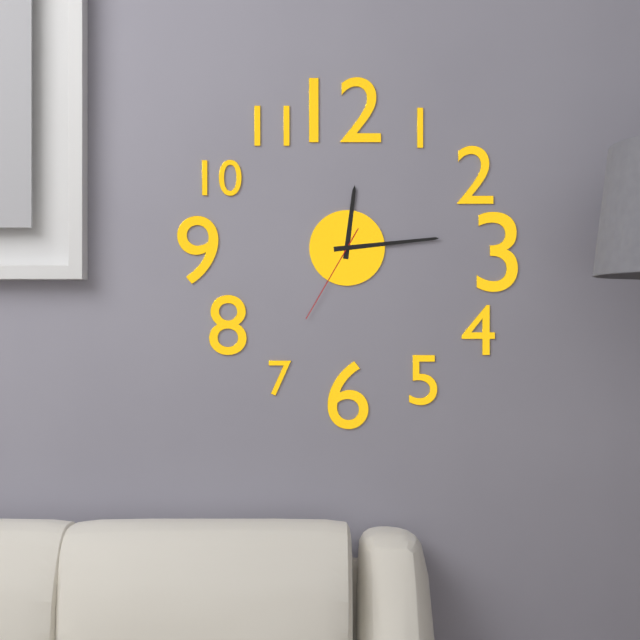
h=12 m=14 s=35
